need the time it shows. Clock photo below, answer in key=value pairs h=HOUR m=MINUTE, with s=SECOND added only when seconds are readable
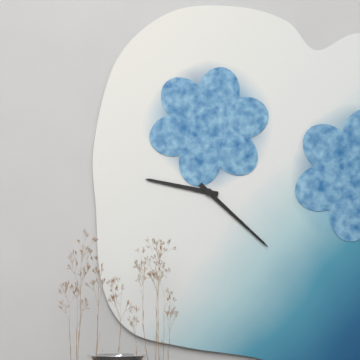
h=9 m=22
